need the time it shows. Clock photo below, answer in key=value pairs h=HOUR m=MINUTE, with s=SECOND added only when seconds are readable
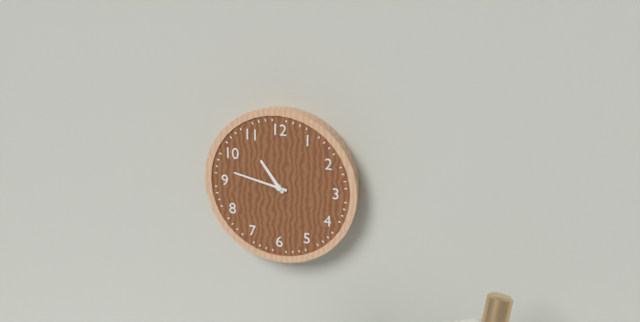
h=10 m=47
